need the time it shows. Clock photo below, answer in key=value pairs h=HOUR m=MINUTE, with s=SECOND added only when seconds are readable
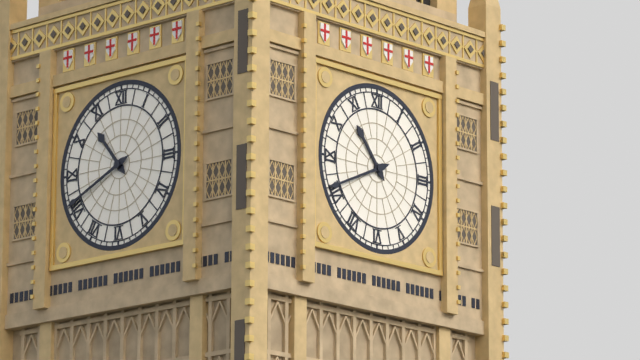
h=10 m=41
